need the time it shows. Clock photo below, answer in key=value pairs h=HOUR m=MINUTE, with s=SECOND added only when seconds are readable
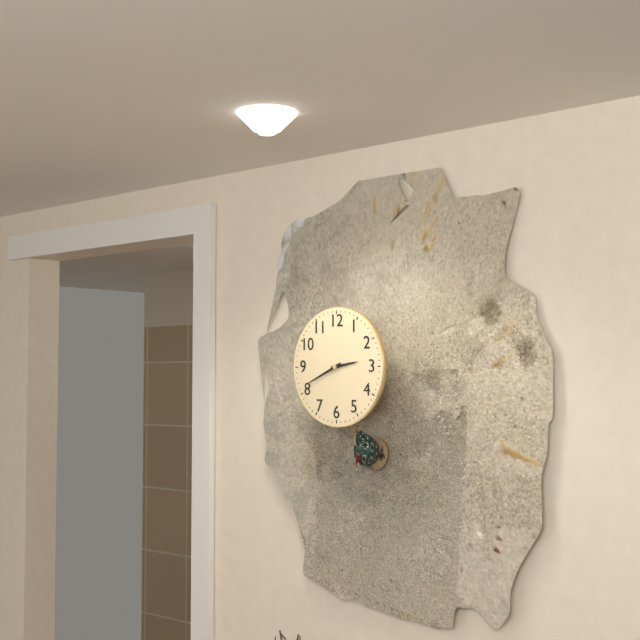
h=2 m=41
